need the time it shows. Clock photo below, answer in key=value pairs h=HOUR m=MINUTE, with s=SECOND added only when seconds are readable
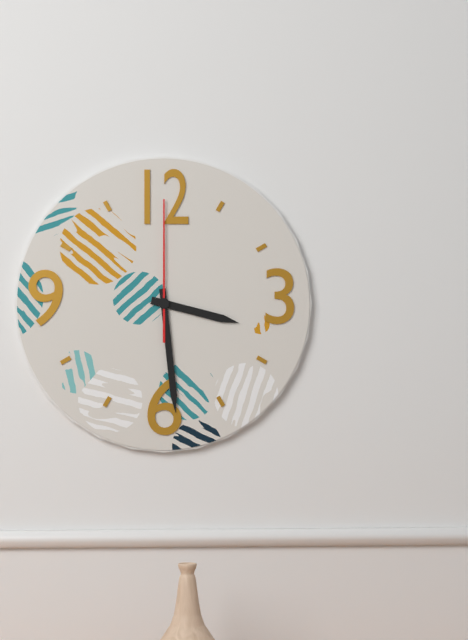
h=3 m=29 s=0
